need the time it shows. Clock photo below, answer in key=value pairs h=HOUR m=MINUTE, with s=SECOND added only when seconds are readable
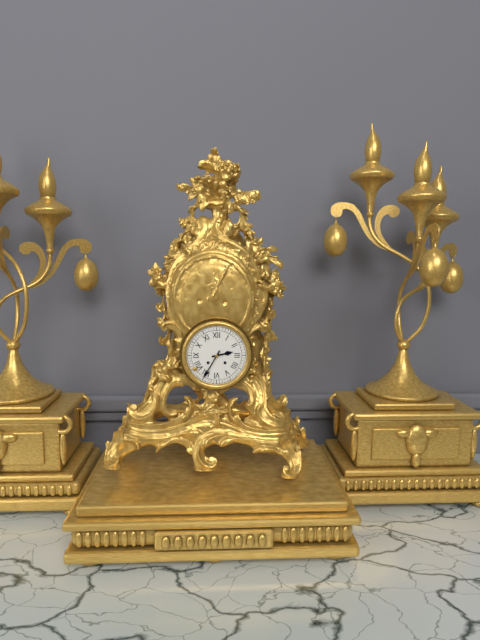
h=2 m=35
